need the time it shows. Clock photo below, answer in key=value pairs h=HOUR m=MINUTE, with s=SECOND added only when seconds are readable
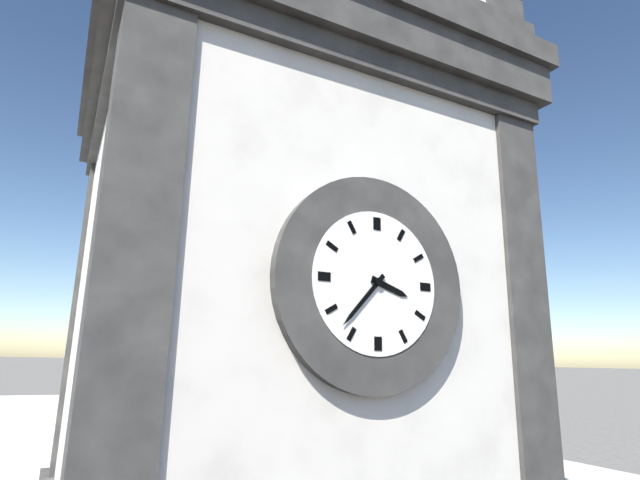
h=3 m=37
